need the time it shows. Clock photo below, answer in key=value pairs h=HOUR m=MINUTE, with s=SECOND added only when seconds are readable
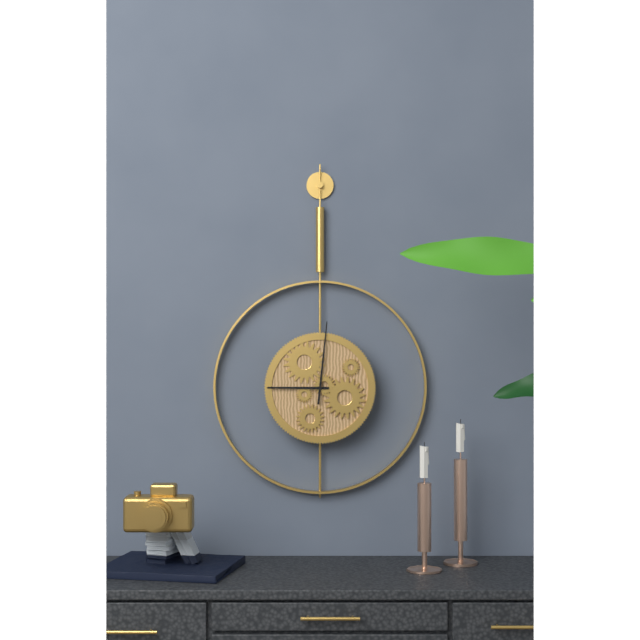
h=9 m=1
